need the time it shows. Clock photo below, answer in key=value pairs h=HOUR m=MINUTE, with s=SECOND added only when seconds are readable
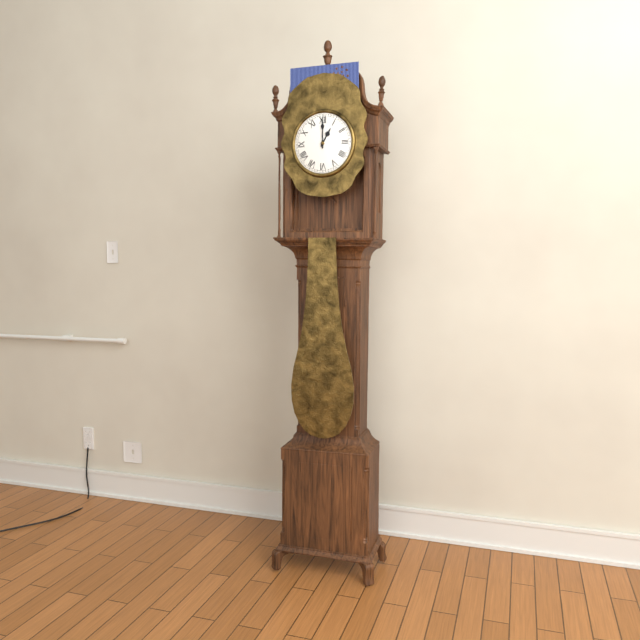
h=1 m=0
